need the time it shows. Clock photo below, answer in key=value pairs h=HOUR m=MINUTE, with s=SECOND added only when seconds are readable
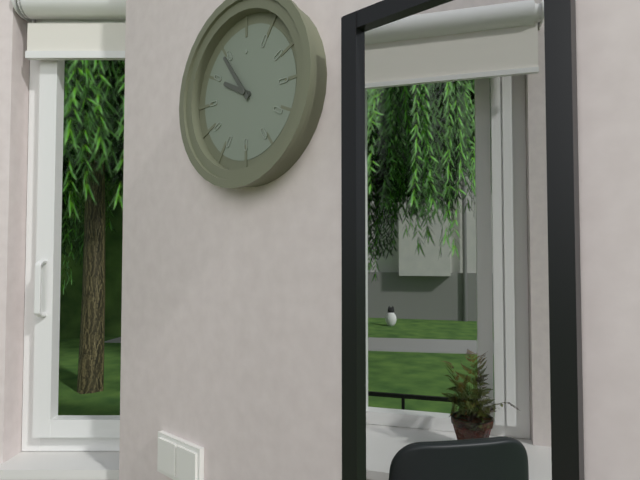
h=9 m=54
